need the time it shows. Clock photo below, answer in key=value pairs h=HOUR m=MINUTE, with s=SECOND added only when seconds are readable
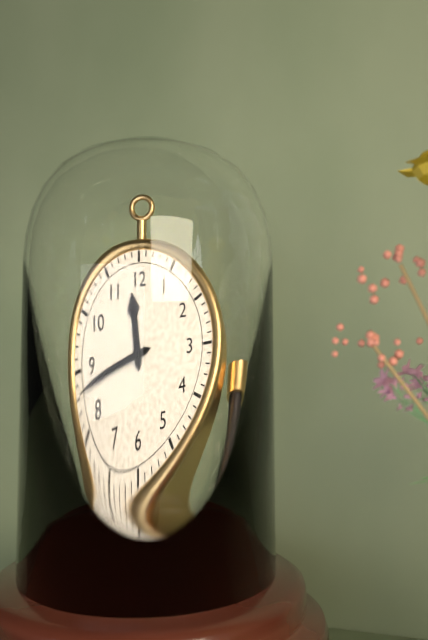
h=11 m=43
